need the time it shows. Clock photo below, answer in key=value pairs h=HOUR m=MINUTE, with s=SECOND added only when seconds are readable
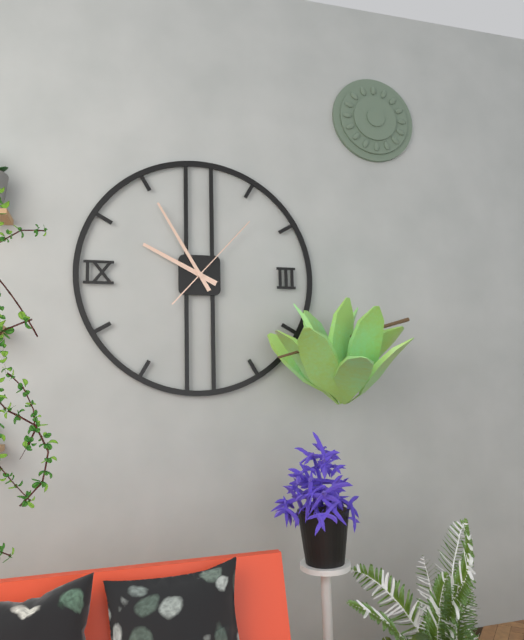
h=9 m=55 s=7
